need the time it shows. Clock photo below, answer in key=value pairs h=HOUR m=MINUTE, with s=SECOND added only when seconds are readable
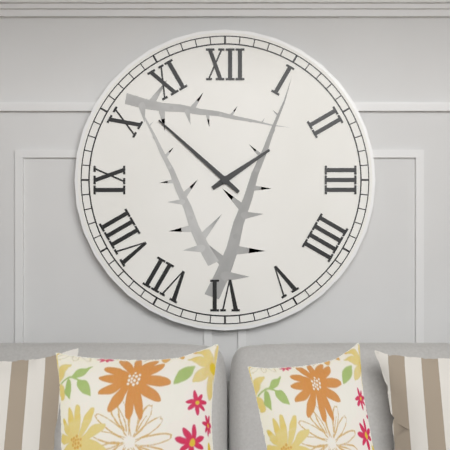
h=1 m=52
